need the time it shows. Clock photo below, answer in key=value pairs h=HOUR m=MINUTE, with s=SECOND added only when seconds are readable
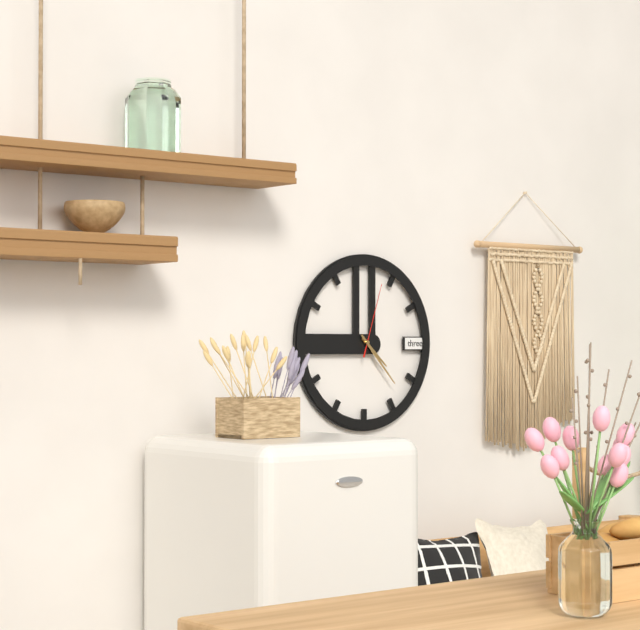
h=4 m=23 s=3
